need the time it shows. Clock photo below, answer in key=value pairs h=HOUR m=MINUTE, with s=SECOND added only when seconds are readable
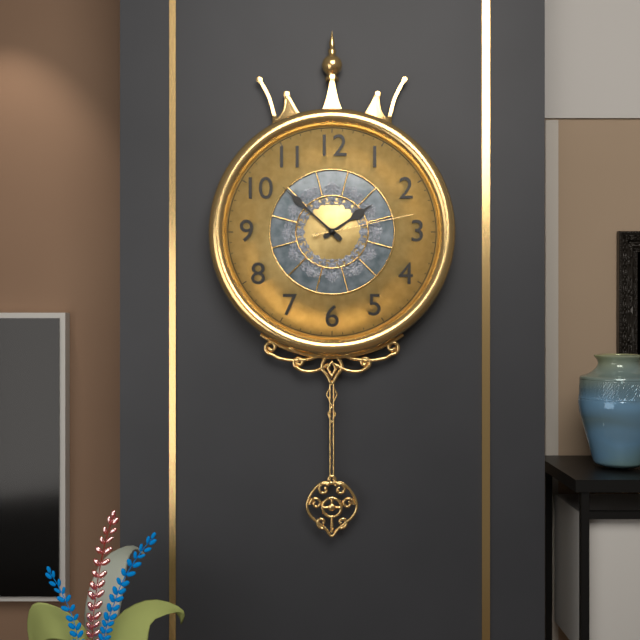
h=1 m=52 s=13
